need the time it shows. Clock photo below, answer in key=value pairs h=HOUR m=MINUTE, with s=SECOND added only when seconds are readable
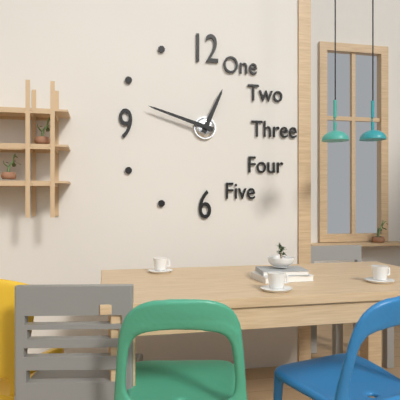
h=12 m=48
